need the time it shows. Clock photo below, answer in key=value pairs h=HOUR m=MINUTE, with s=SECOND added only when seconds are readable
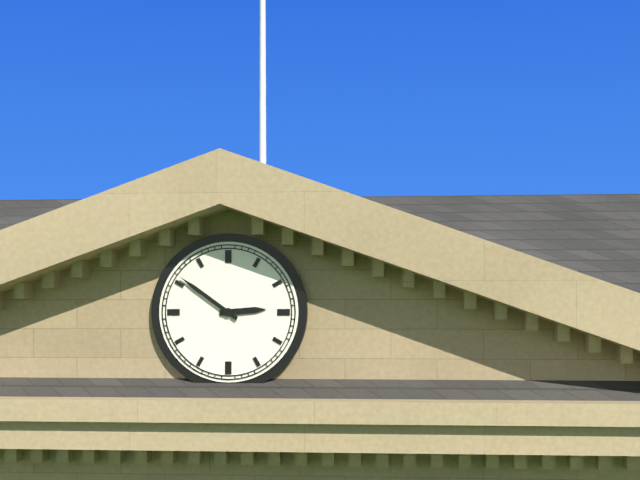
h=2 m=51
